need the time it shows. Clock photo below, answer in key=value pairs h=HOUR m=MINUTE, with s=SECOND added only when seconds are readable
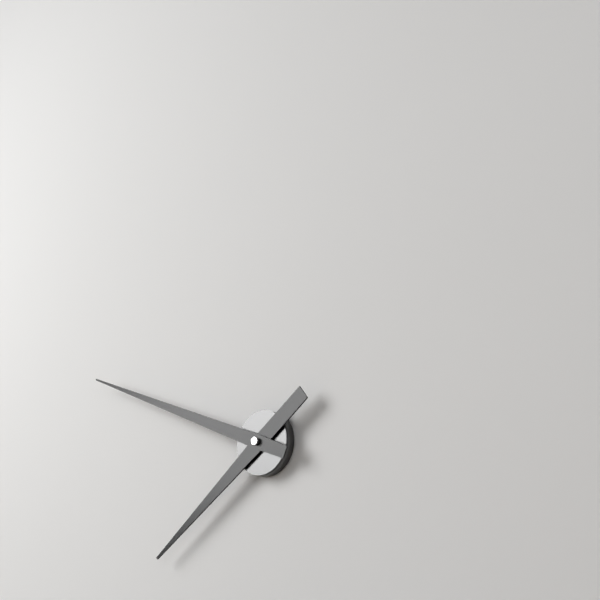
h=7 m=49
